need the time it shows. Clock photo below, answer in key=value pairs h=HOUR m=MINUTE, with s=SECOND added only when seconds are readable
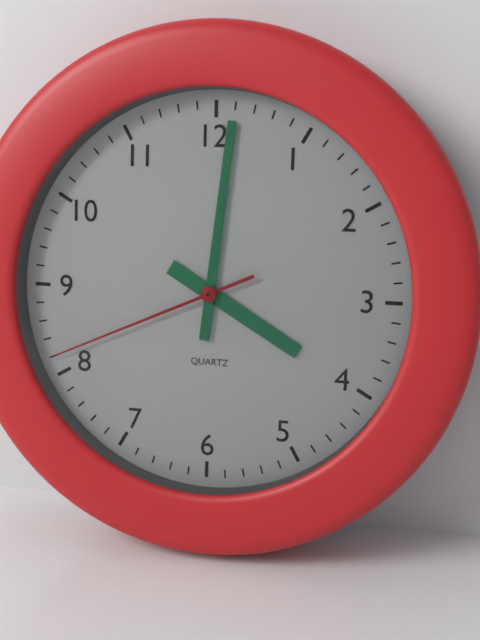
h=4 m=1 s=41
